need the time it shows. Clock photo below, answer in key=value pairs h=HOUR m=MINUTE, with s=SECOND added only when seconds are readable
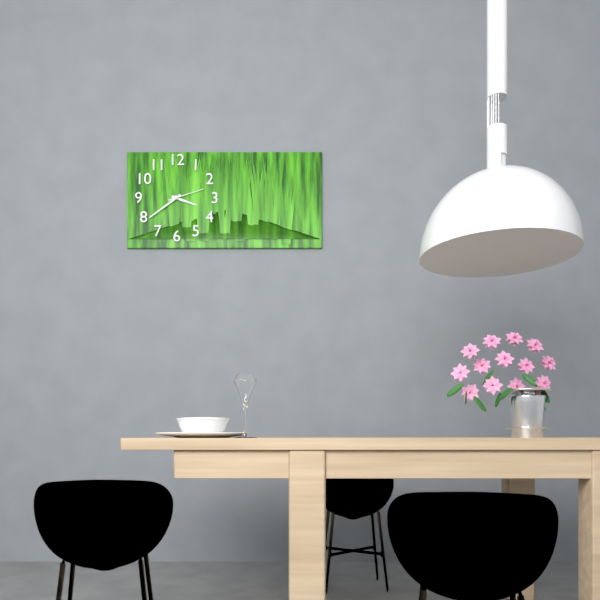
h=3 m=39
